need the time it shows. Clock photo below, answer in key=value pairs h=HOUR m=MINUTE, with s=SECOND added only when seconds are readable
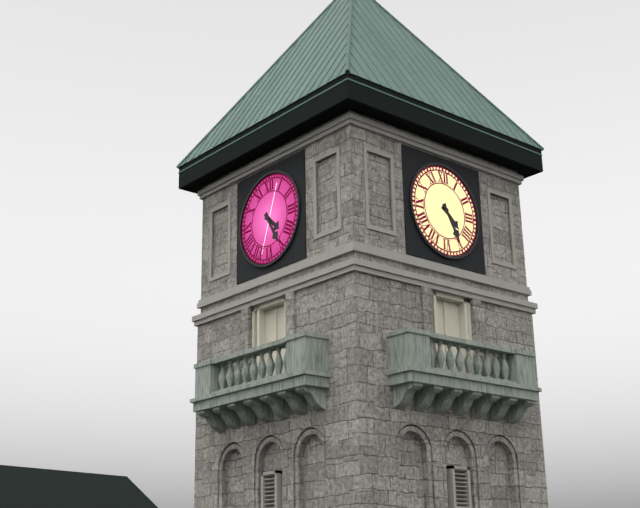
h=4 m=25
